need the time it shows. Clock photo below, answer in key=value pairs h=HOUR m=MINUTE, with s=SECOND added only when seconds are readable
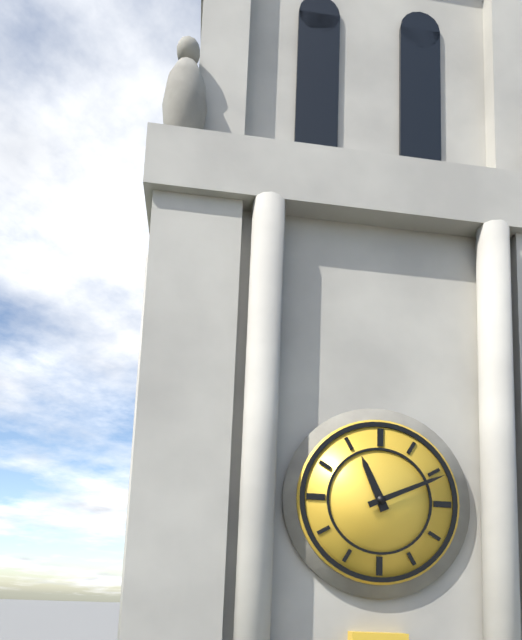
h=11 m=11
